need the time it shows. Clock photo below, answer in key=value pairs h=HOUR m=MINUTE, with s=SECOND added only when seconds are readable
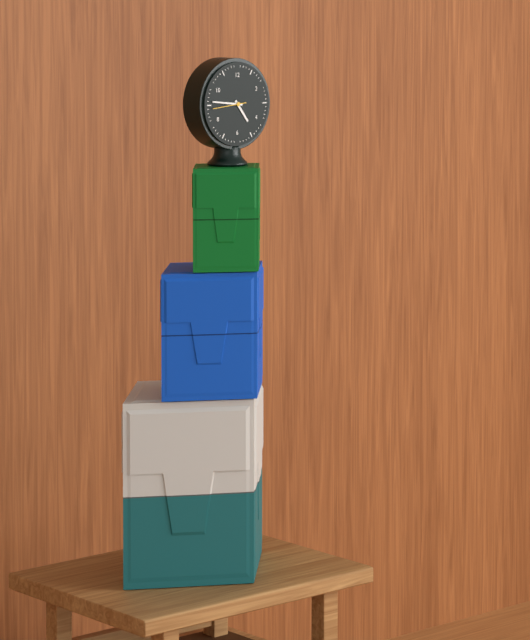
h=4 m=46
